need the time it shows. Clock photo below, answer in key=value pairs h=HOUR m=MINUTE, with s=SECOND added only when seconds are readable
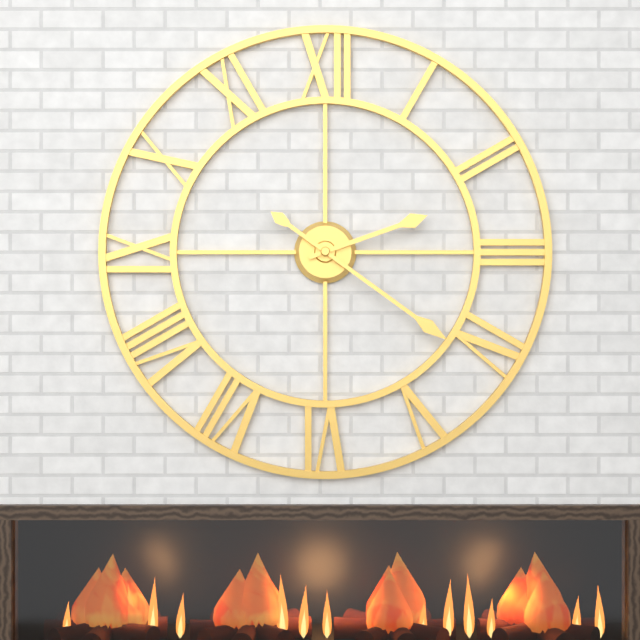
h=2 m=21
